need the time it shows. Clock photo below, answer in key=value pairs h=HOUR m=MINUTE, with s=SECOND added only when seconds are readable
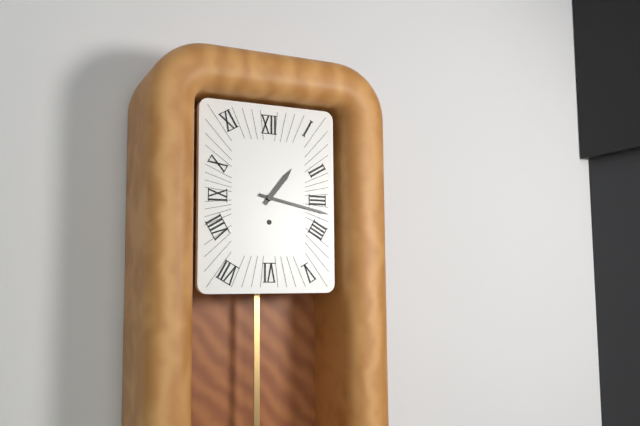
h=1 m=17
